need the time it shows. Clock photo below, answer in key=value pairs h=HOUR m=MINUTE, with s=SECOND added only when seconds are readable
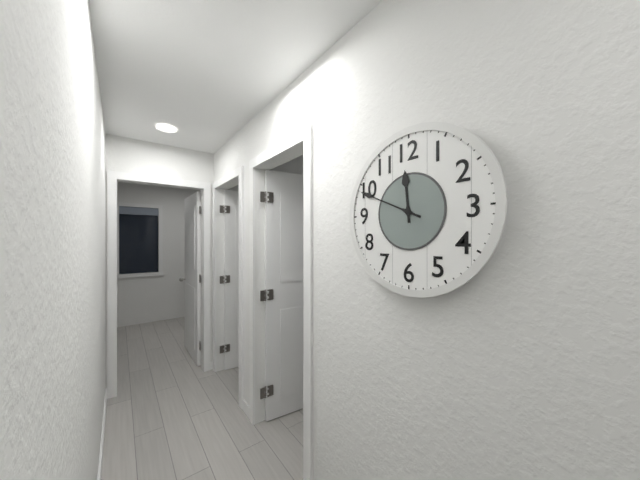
h=11 m=49
